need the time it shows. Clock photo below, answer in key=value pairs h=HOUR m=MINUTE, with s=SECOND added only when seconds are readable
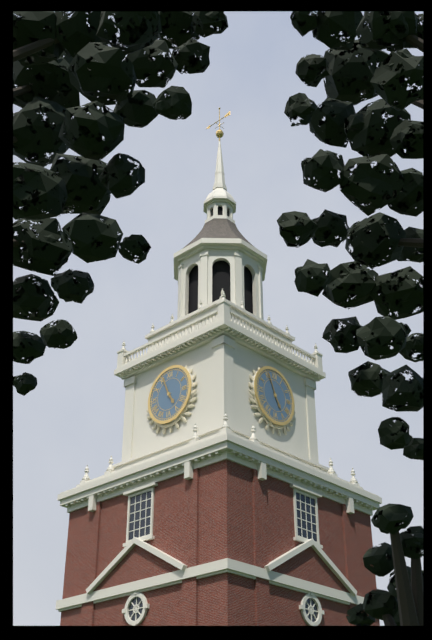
h=4 m=56
